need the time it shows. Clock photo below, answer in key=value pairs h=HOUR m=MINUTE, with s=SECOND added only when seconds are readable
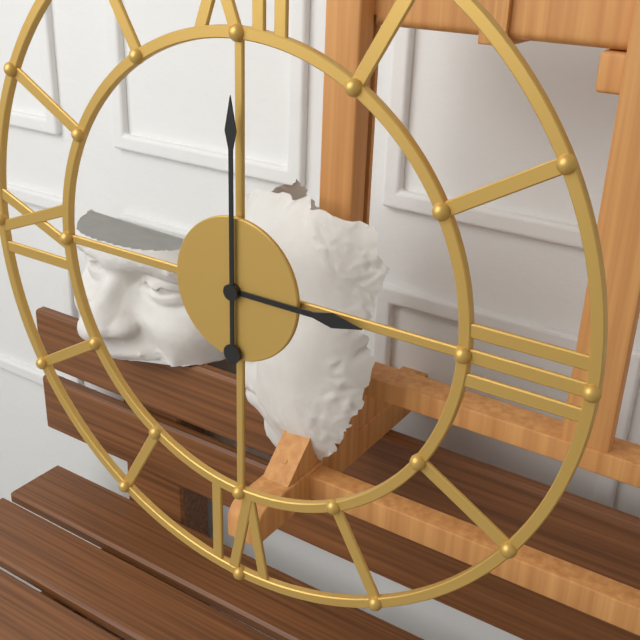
h=3 m=0
